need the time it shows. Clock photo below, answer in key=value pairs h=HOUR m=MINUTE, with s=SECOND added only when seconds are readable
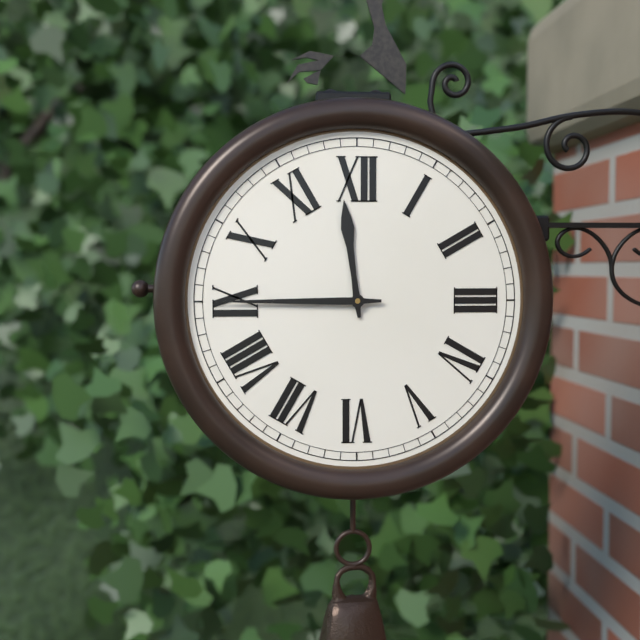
h=11 m=45
